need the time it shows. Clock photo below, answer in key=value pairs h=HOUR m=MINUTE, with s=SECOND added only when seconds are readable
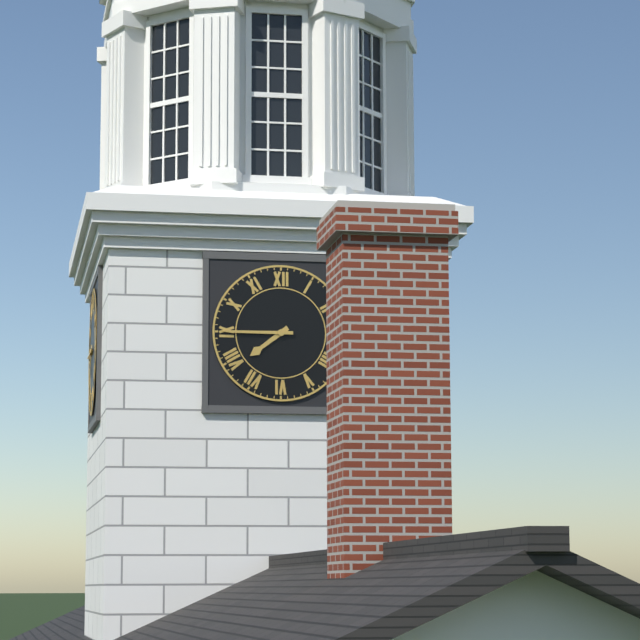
h=7 m=45
